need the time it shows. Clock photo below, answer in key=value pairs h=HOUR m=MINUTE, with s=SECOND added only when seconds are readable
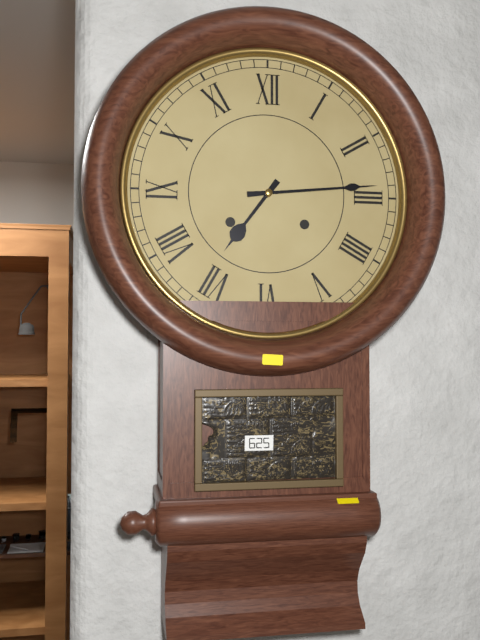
h=7 m=14
